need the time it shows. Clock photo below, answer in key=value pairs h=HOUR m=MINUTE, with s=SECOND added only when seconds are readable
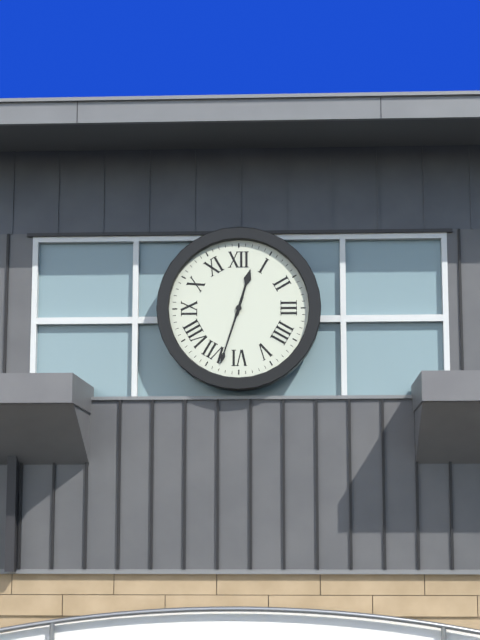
h=12 m=33
